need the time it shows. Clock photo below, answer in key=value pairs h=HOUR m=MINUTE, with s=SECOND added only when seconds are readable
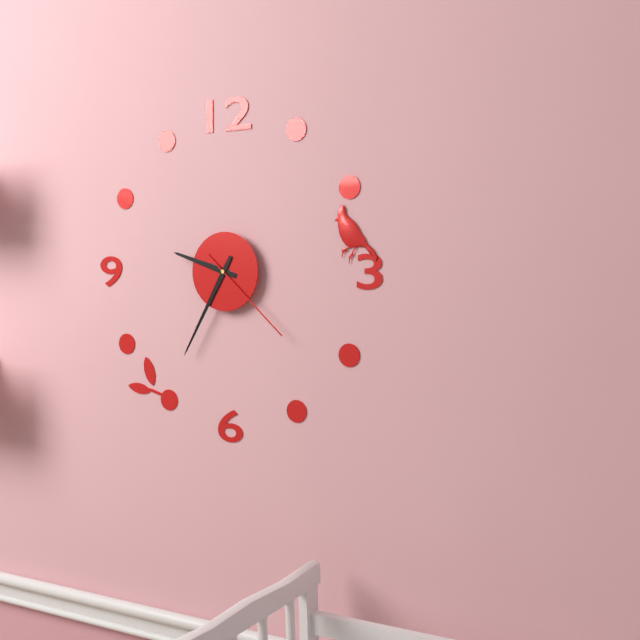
h=9 m=35 s=22
